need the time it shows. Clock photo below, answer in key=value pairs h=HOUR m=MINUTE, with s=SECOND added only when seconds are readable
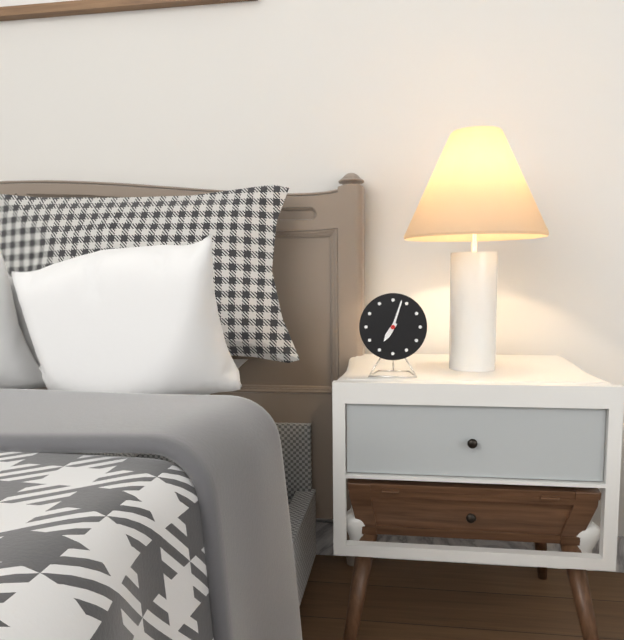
h=7 m=3
